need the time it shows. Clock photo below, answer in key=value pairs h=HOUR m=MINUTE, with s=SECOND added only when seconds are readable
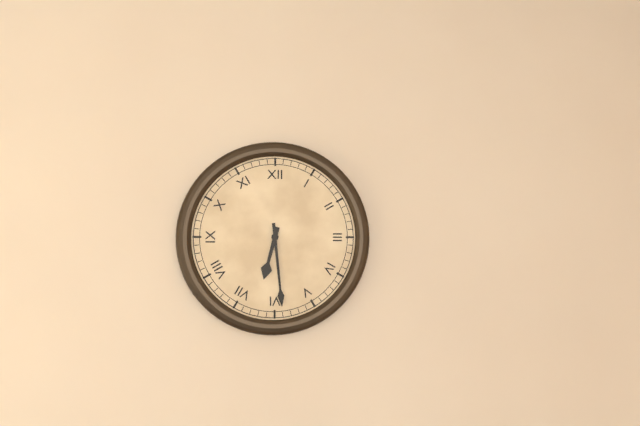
h=6 m=29
